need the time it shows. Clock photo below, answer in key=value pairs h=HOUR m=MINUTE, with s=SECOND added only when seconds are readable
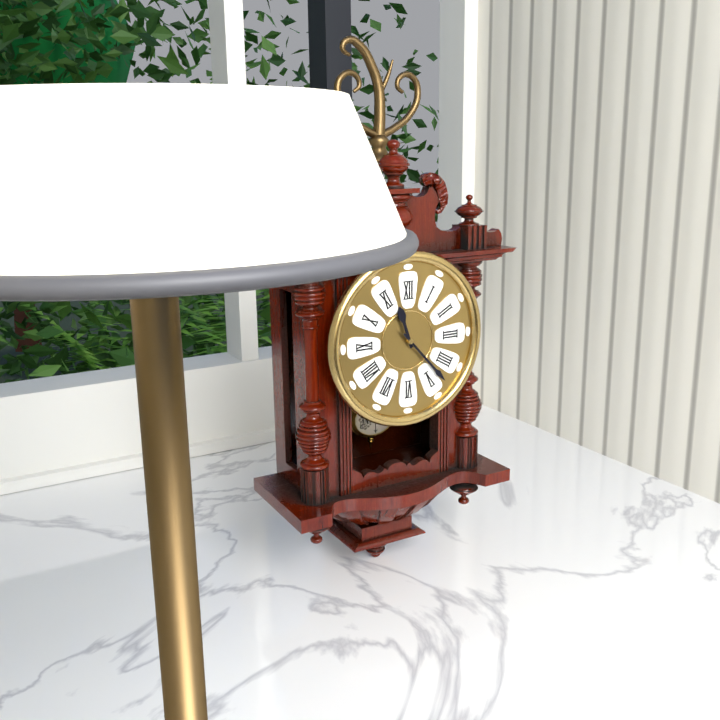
h=11 m=23
